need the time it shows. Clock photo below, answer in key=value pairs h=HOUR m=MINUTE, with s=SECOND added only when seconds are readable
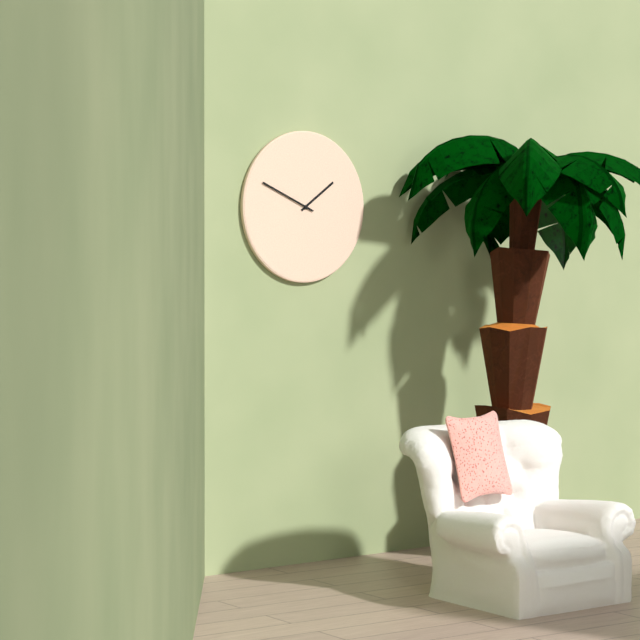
h=1 m=49
